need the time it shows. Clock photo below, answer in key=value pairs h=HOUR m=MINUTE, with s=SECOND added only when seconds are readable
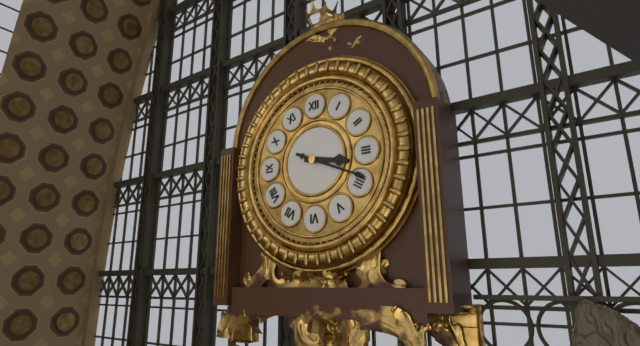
h=3 m=19
